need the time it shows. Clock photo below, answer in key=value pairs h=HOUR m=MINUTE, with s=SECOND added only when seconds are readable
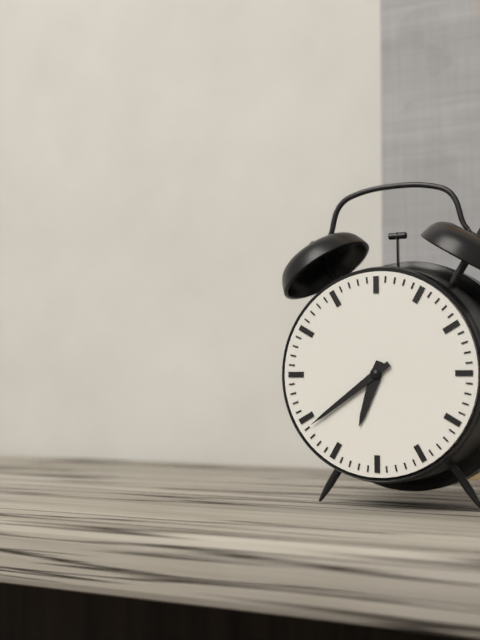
h=6 m=39
